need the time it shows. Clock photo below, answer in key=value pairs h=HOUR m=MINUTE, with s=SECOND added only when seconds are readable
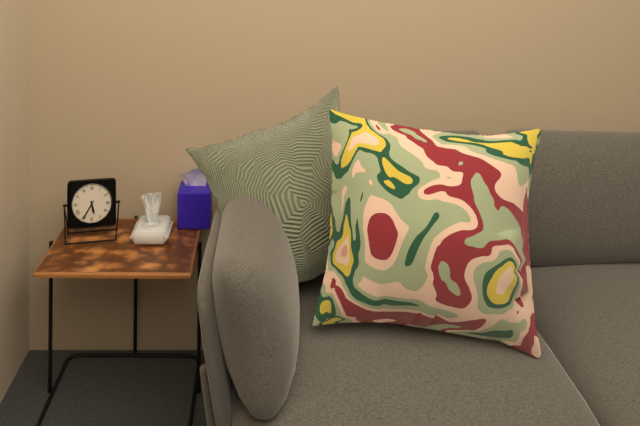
h=5 m=35
